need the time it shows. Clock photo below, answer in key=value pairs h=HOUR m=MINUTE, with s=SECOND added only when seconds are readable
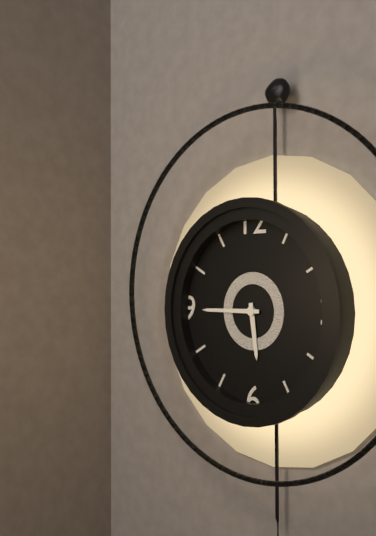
h=5 m=45
